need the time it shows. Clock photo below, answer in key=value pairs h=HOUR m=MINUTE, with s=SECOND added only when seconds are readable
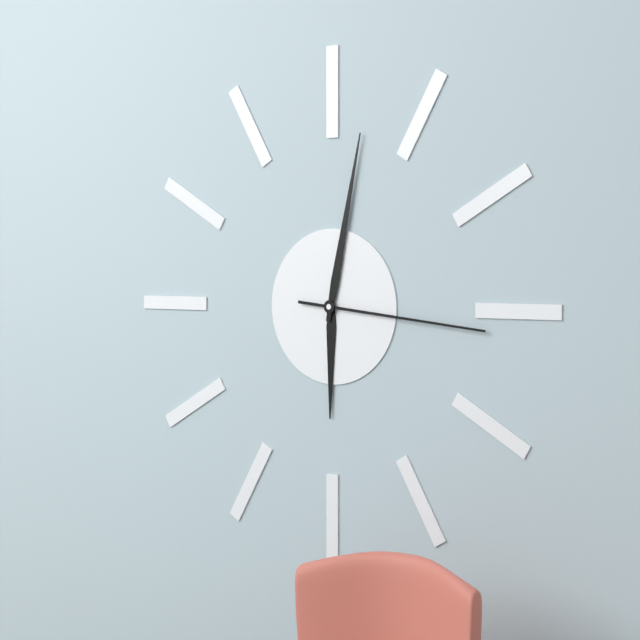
h=6 m=2 s=16
